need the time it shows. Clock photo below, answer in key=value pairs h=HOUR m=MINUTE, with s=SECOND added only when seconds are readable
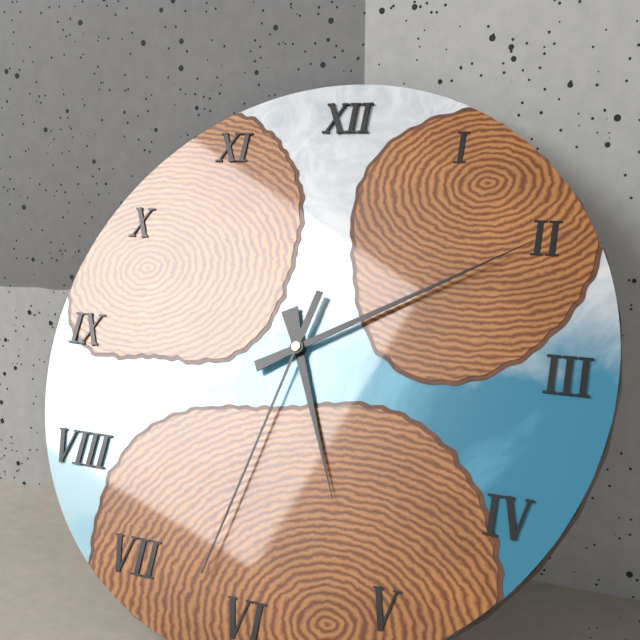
h=5 m=10 s=32
